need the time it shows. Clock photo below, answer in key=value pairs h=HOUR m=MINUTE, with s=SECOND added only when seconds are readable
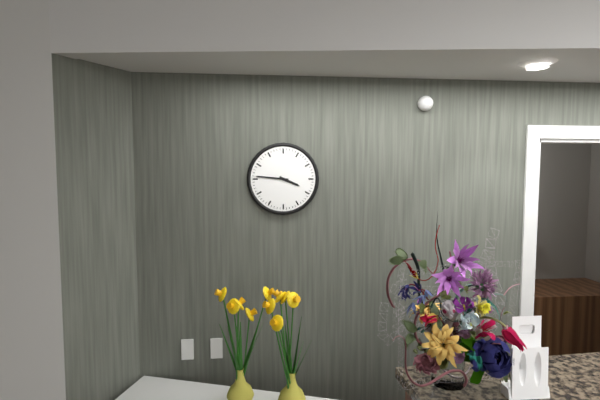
h=3 m=46
